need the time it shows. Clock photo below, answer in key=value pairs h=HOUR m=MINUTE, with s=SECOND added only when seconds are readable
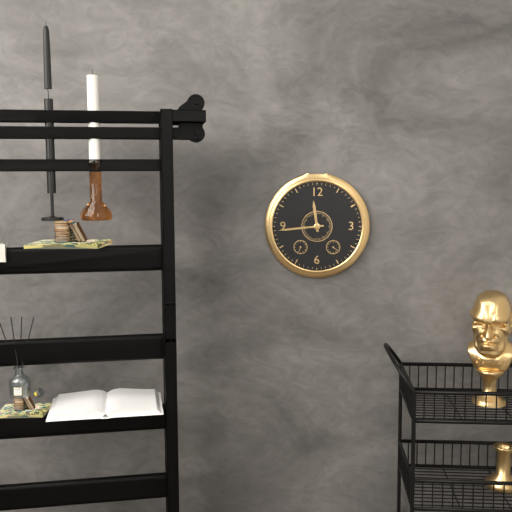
h=11 m=44
